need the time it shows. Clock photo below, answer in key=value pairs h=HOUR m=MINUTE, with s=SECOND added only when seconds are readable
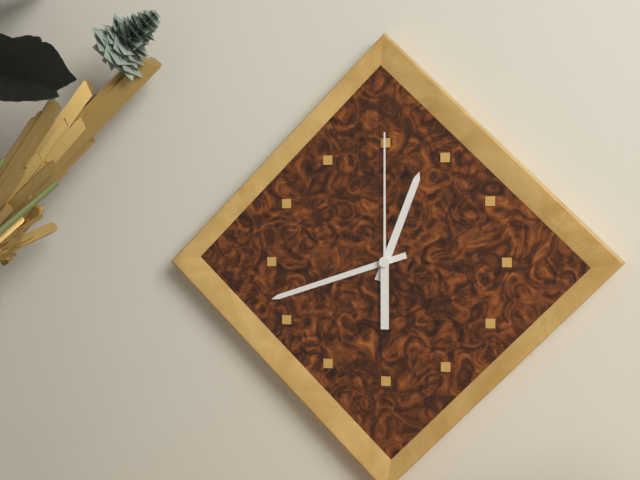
h=12 m=42 s=0
